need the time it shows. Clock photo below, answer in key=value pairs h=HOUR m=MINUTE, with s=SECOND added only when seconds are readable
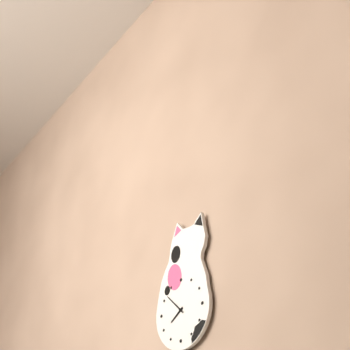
h=7 m=52
